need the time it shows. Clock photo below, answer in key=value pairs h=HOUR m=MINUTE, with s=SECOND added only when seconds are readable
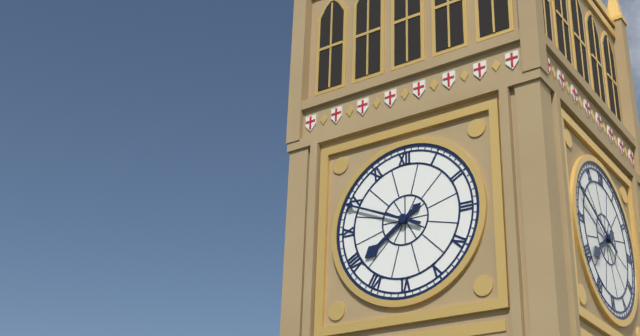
h=7 m=49
